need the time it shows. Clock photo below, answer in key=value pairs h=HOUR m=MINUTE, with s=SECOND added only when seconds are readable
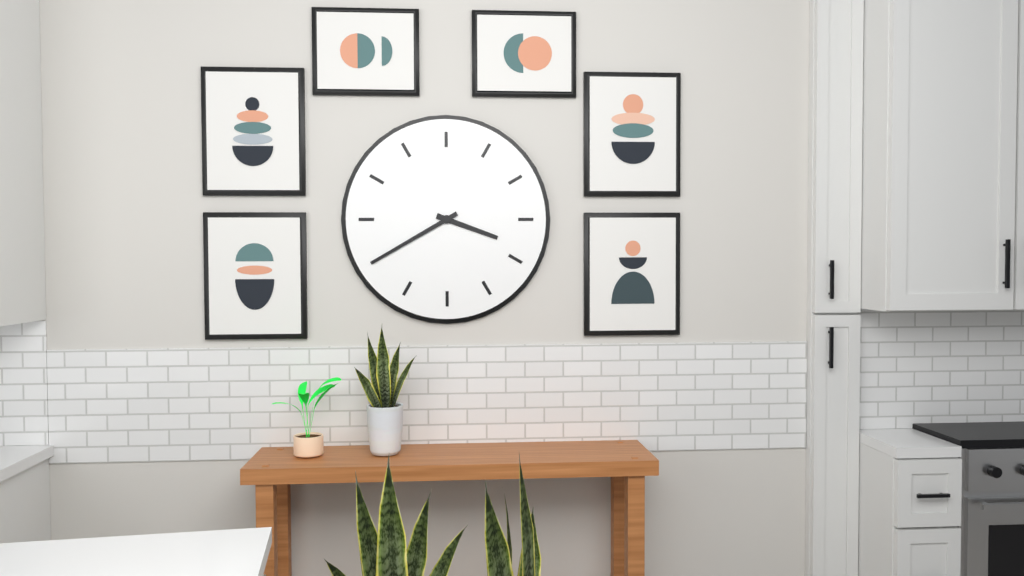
h=3 m=40
